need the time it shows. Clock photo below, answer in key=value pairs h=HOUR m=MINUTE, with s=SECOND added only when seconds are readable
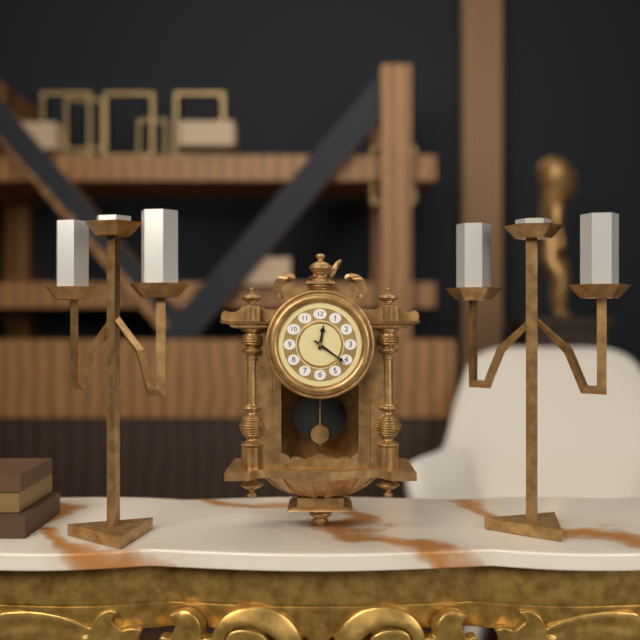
h=12 m=21
